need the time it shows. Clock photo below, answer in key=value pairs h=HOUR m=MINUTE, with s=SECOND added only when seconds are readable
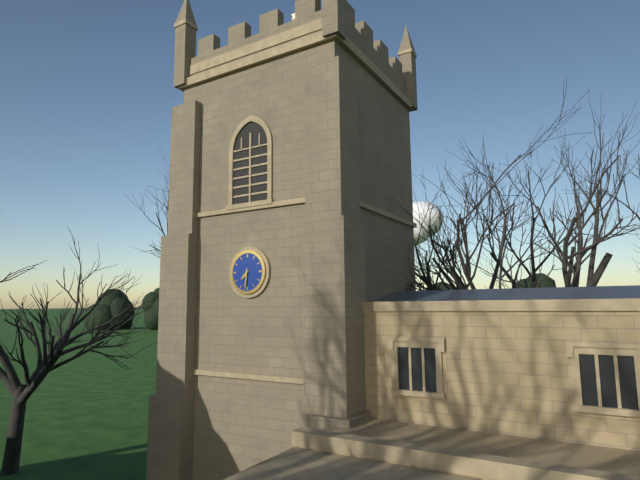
h=7 m=31
